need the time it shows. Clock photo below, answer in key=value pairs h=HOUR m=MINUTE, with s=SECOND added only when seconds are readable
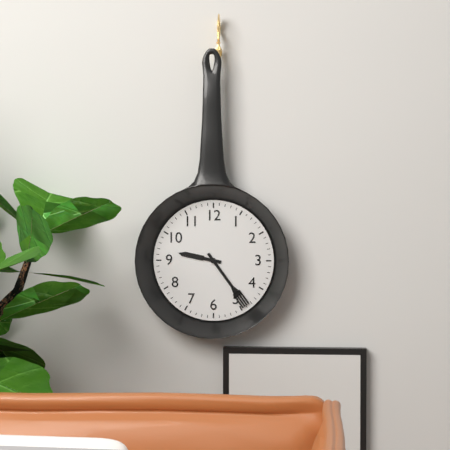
h=9 m=24
